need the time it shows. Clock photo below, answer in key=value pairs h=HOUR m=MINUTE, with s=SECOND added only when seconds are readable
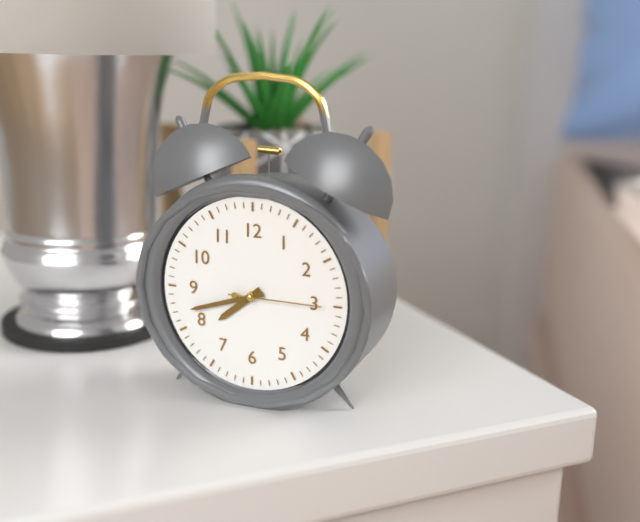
h=7 m=42 s=15
